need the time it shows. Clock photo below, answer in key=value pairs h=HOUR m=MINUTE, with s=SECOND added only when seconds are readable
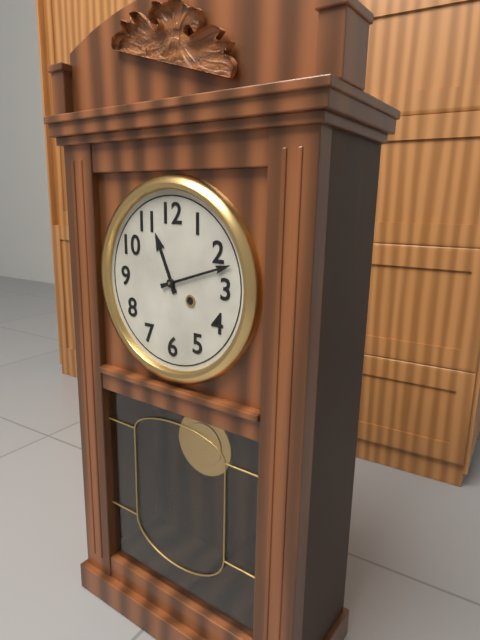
h=11 m=12
